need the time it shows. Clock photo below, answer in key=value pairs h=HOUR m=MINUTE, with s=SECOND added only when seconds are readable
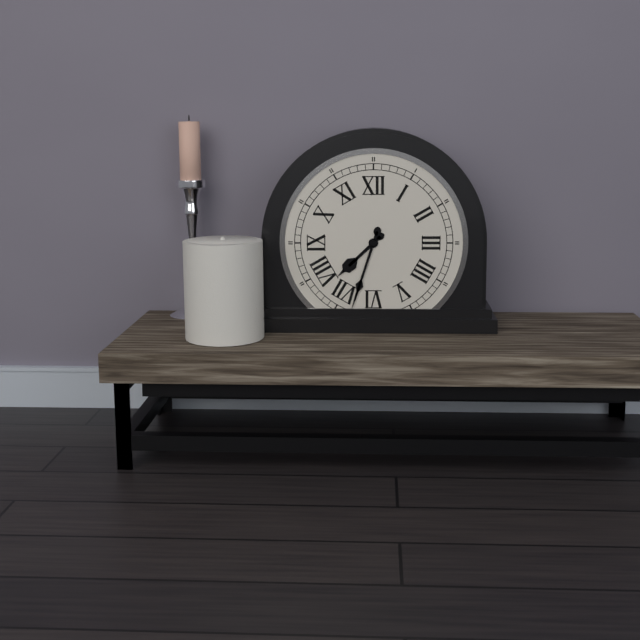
h=7 m=33
